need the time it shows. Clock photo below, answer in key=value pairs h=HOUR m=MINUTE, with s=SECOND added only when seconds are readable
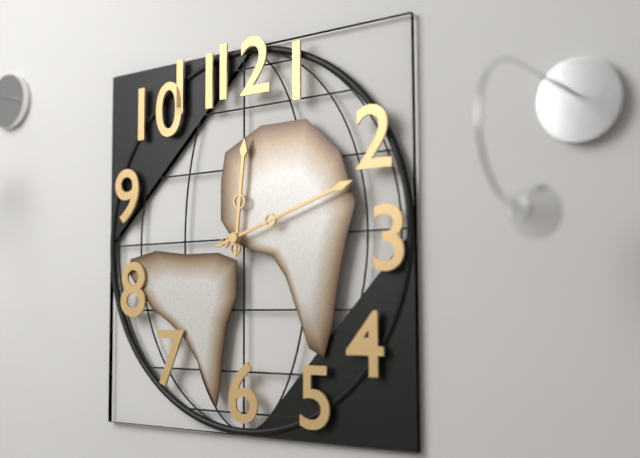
h=12 m=12
